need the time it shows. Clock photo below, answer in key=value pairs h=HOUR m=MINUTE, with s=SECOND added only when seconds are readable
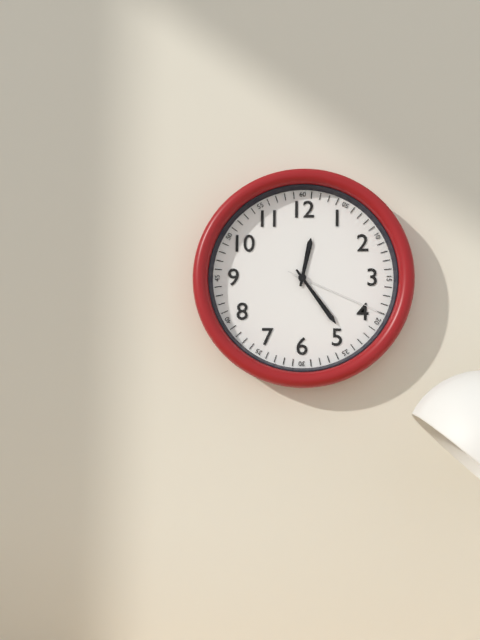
h=12 m=24 s=19
